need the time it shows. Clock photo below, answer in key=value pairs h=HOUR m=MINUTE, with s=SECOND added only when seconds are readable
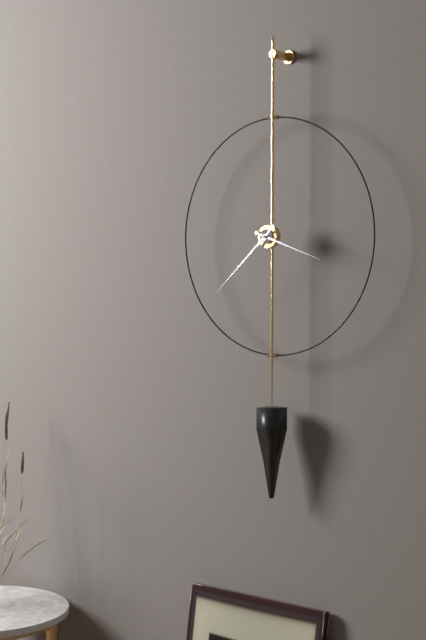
h=3 m=38
